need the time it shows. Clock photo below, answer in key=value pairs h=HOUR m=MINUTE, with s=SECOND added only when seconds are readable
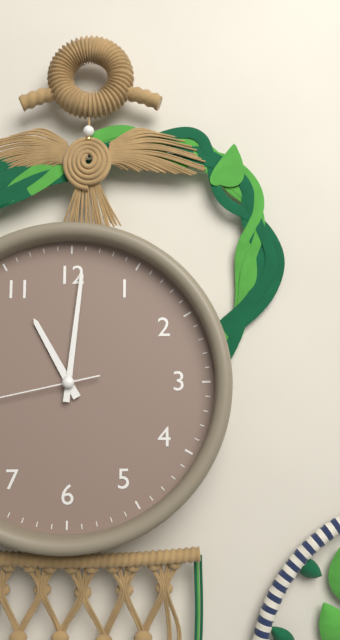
h=11 m=1
